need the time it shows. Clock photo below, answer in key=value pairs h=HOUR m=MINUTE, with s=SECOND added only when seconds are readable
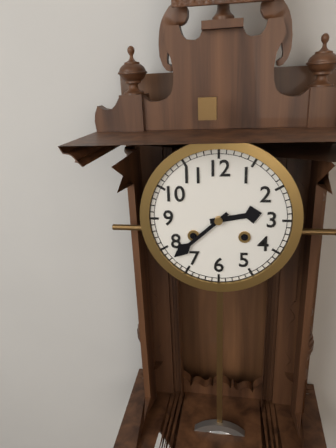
h=2 m=38
